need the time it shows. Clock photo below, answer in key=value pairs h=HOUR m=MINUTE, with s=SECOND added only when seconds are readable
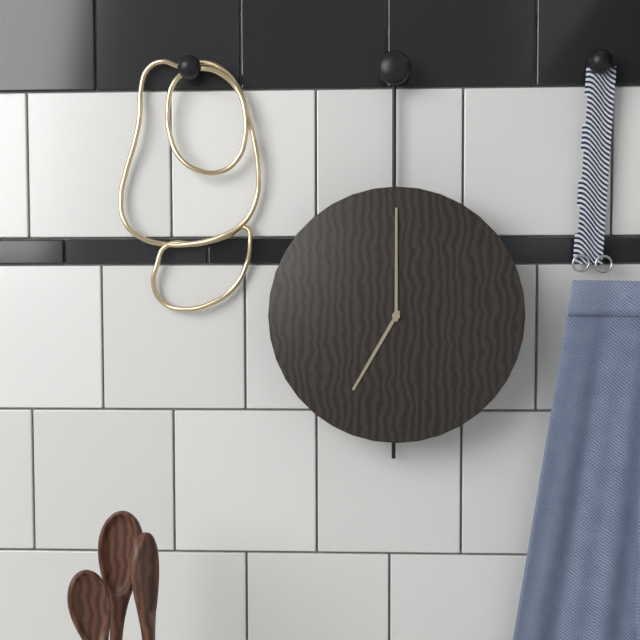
h=7 m=0
